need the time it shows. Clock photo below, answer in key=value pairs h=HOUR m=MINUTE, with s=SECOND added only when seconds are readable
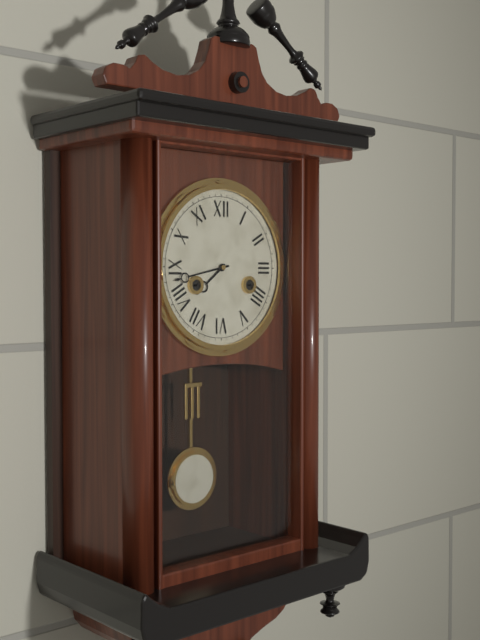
h=7 m=43
